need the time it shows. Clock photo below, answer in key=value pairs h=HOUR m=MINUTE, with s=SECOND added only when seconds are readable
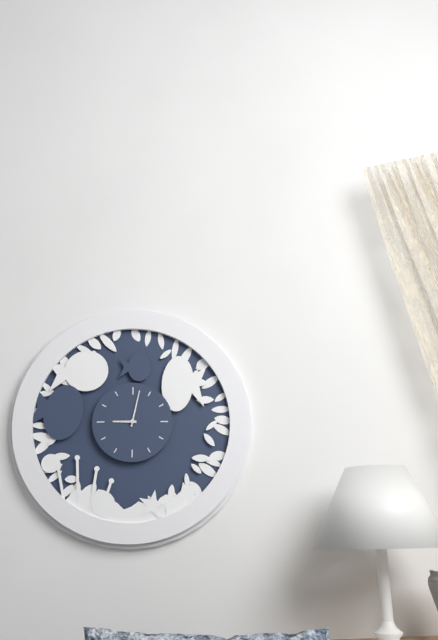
h=9 m=2
